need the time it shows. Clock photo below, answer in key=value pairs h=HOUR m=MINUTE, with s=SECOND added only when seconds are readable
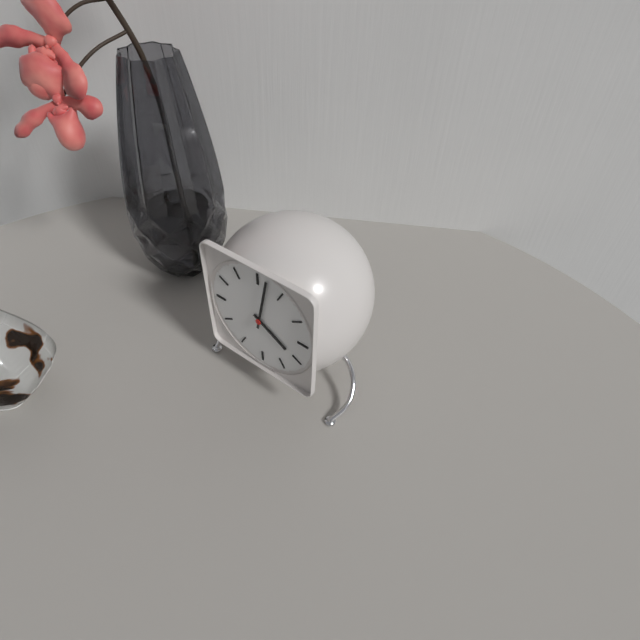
h=4 m=2
